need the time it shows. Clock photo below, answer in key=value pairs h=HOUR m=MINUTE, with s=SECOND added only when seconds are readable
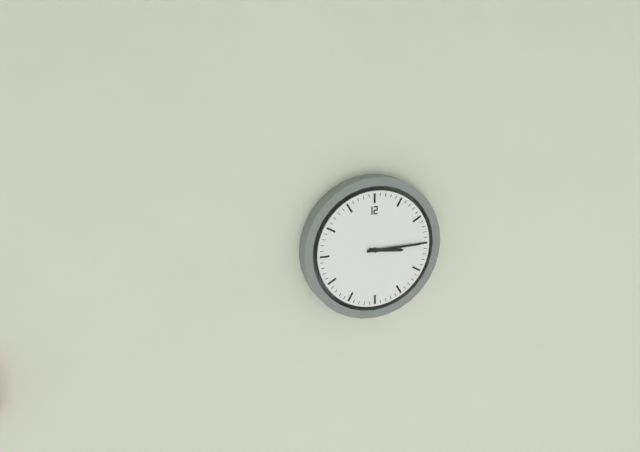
h=3 m=15
